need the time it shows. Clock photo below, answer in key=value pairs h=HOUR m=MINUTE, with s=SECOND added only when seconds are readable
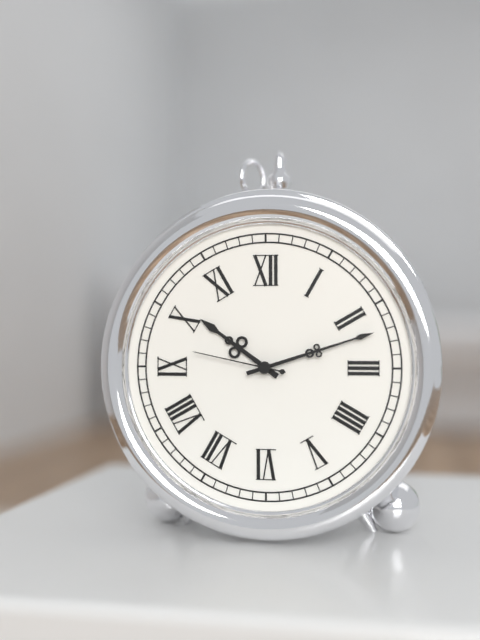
h=10 m=12 s=47
